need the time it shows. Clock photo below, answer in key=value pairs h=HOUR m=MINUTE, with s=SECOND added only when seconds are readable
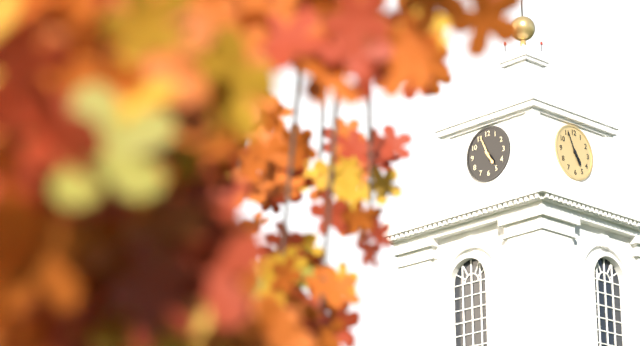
h=4 m=56
